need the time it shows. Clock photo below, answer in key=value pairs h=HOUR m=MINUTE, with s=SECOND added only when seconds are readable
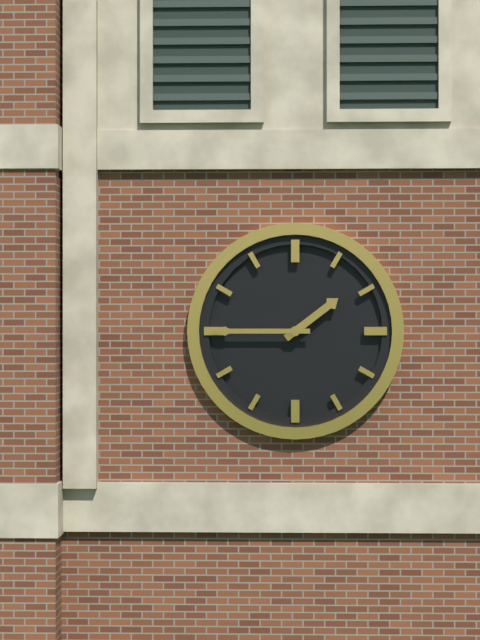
h=1 m=45
